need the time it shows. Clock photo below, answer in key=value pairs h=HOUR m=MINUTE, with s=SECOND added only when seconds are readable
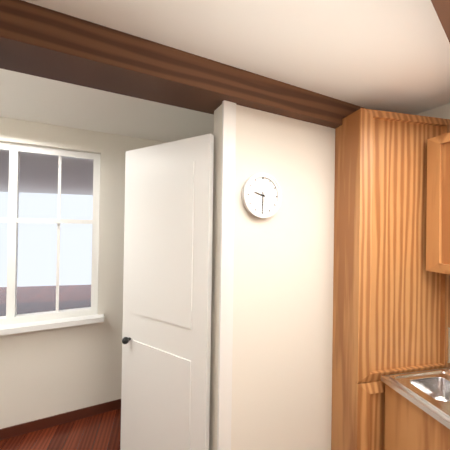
h=9 m=30
